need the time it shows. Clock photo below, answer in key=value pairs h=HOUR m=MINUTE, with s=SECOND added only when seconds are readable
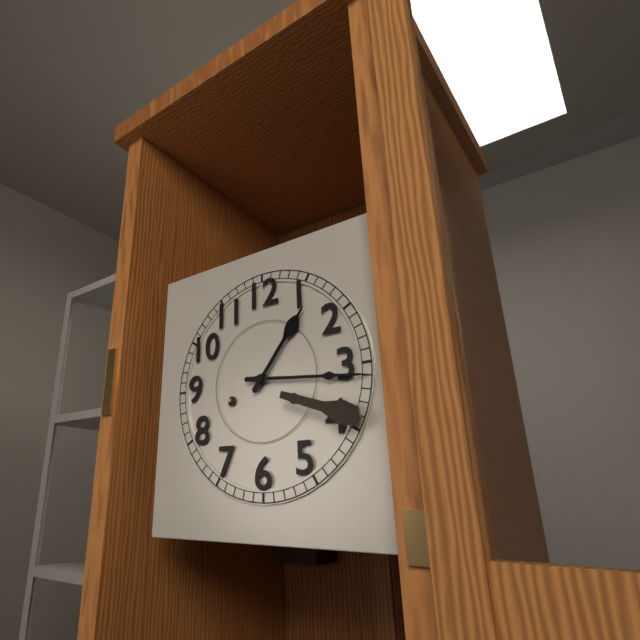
h=1 m=16
